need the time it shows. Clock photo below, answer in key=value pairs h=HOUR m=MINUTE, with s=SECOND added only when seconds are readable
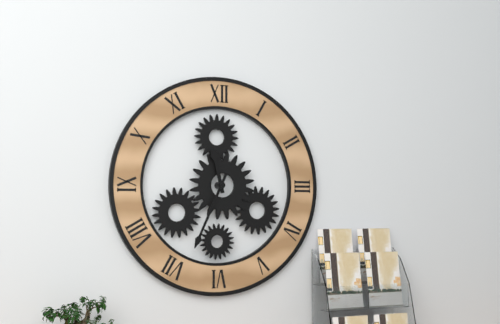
h=11 m=34
